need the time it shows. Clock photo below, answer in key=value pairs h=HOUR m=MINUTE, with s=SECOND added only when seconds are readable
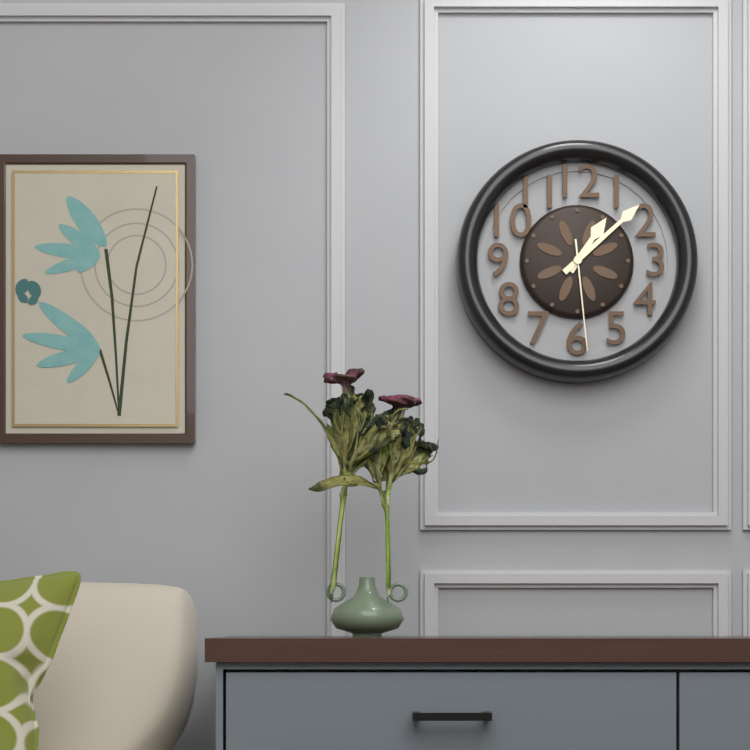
h=1 m=8 s=29
